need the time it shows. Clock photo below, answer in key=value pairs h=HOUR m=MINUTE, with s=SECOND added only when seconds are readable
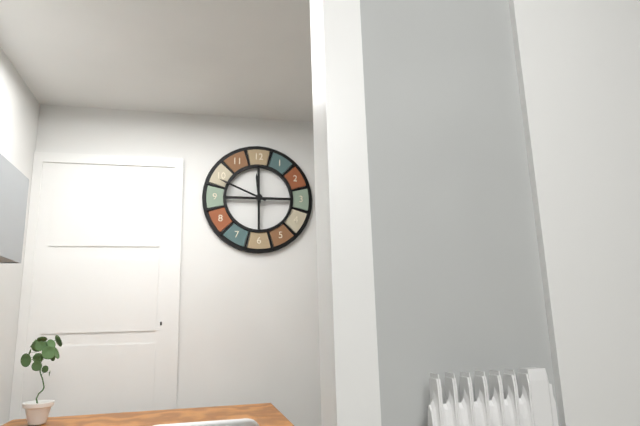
h=11 m=49
